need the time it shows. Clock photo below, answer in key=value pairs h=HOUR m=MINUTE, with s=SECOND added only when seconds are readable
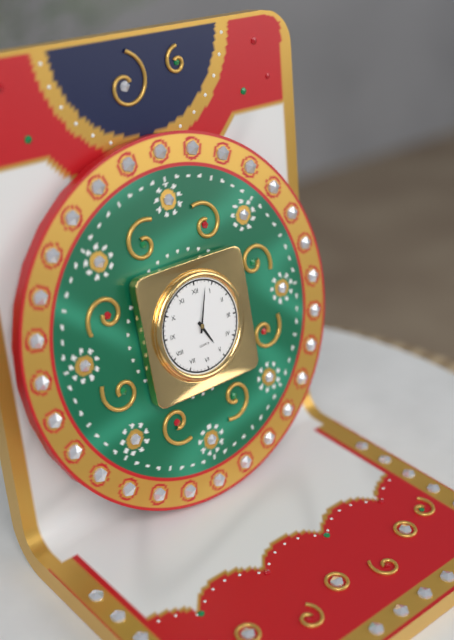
h=5 m=3
